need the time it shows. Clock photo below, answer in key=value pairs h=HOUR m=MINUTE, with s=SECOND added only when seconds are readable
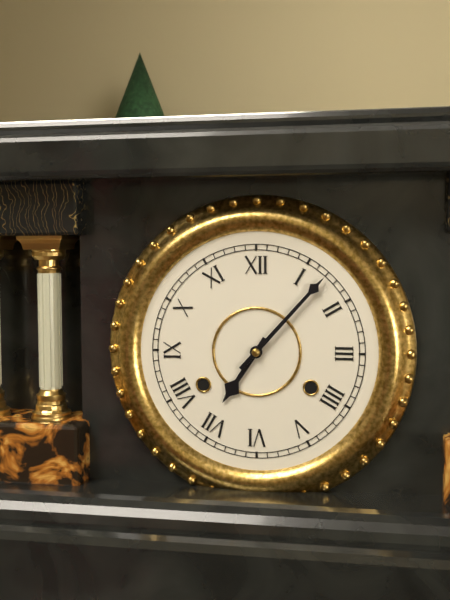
h=7 m=7
